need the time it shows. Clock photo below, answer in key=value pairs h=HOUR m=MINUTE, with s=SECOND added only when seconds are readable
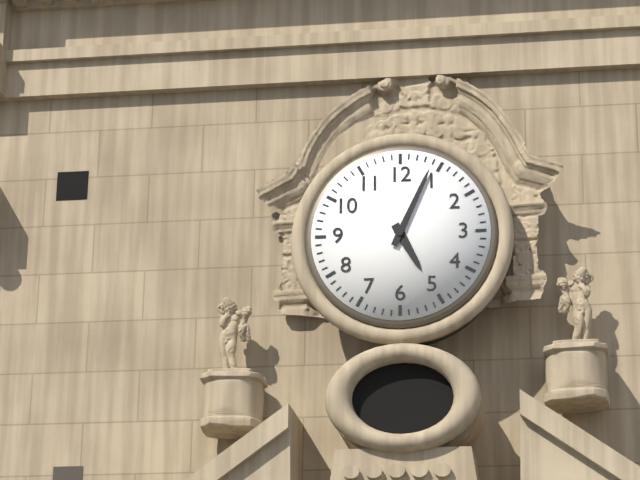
h=5 m=4
